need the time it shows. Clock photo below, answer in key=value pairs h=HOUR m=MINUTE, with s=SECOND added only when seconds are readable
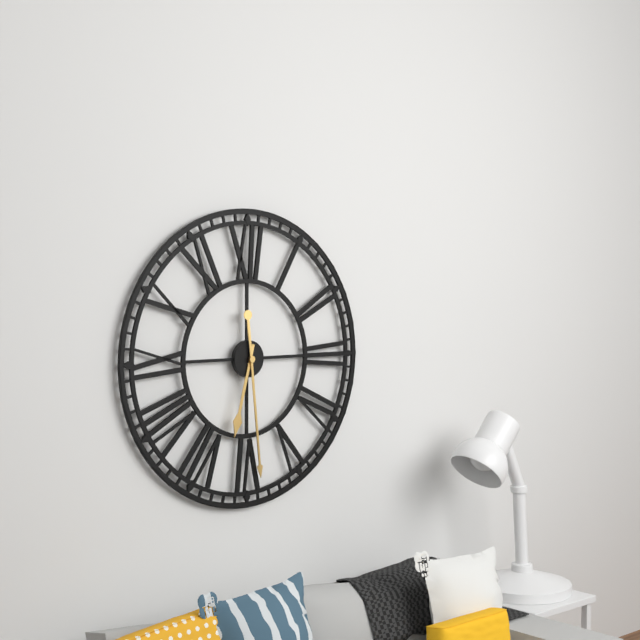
h=6 m=29
